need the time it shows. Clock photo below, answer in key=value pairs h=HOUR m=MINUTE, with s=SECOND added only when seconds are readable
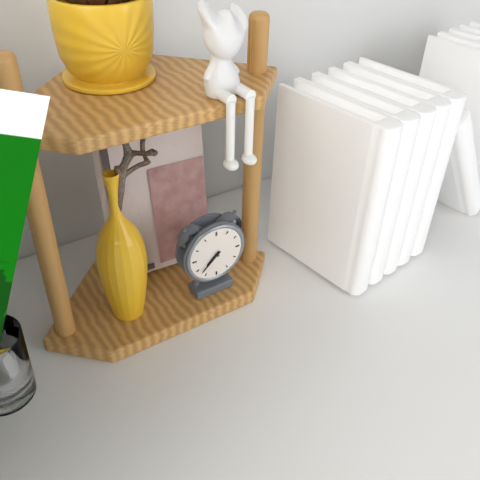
h=7 m=38
